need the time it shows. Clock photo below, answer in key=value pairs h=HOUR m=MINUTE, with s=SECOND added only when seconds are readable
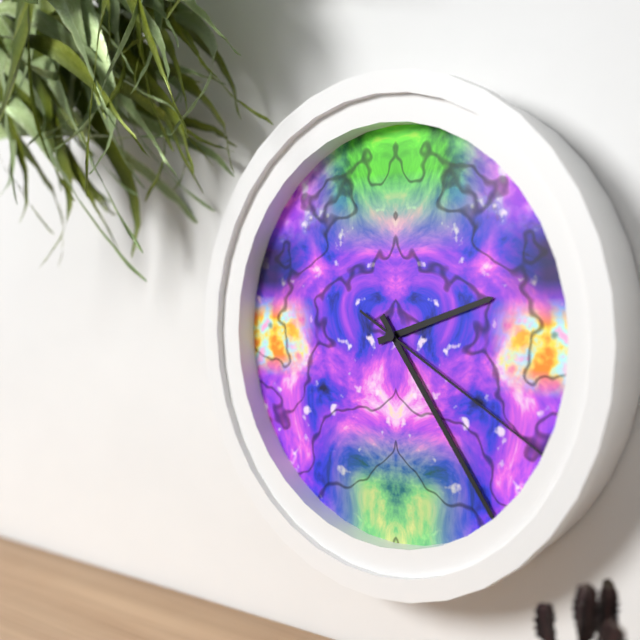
h=2 m=24 s=20
